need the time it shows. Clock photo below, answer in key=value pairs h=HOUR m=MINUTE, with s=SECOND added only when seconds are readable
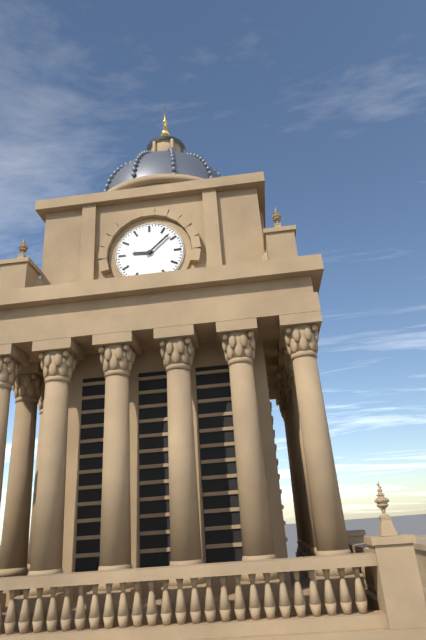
h=9 m=8
